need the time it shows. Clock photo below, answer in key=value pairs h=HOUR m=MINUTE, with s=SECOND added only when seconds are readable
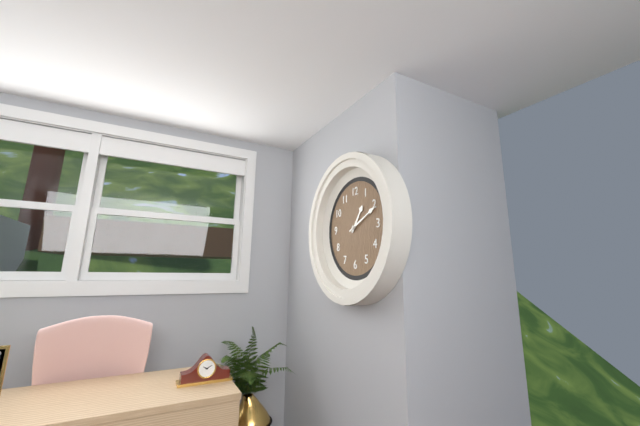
h=1 m=11
